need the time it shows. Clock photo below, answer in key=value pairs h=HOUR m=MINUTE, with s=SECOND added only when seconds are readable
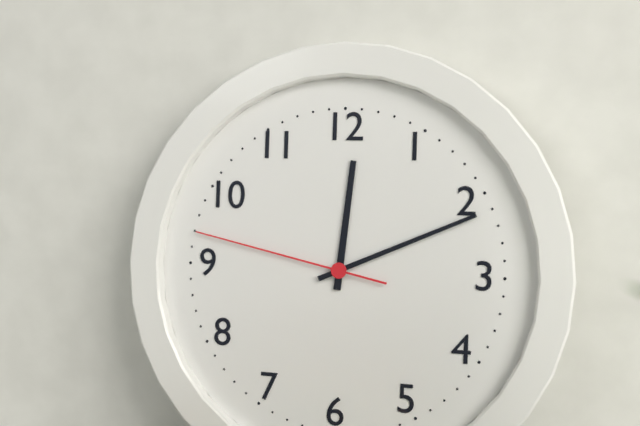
h=12 m=11 s=47
